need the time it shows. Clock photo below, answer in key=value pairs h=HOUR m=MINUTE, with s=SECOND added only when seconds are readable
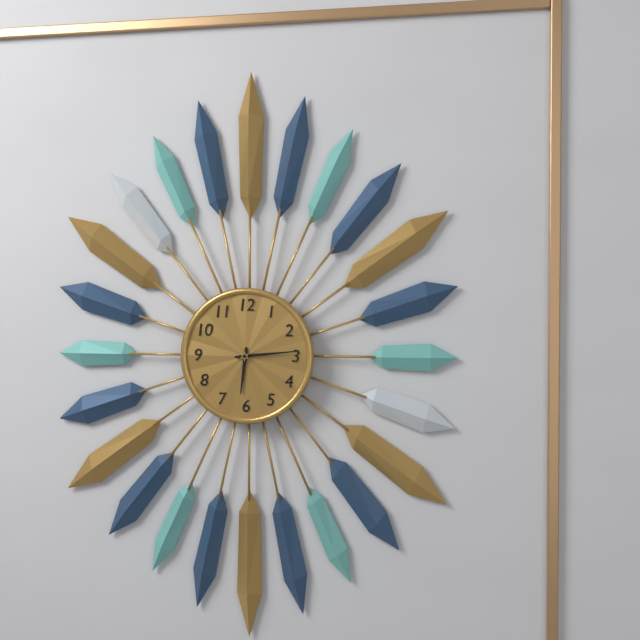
h=6 m=14
